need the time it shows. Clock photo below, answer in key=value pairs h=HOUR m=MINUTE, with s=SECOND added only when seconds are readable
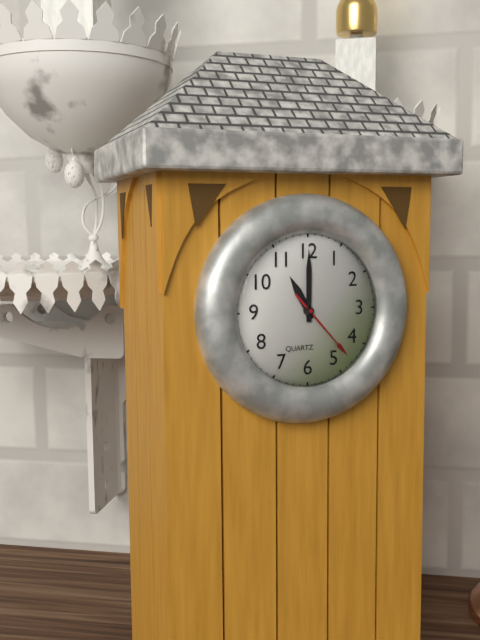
h=11 m=0 s=23
